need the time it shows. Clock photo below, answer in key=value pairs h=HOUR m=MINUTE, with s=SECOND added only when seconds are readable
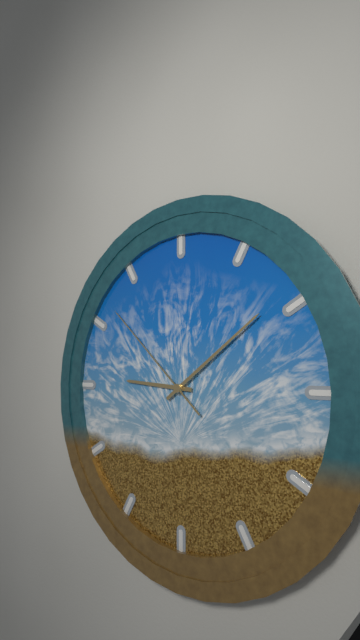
h=9 m=9 s=52
